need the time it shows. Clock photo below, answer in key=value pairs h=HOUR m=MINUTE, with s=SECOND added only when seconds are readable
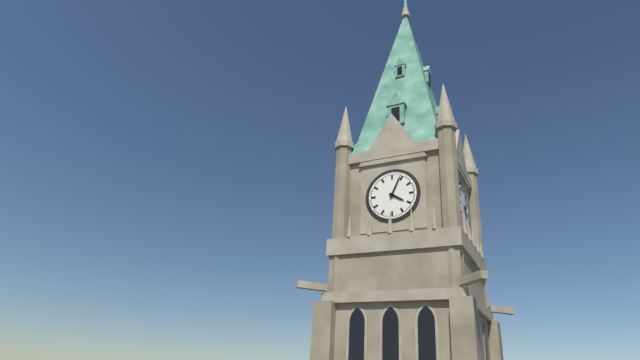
h=4 m=4
